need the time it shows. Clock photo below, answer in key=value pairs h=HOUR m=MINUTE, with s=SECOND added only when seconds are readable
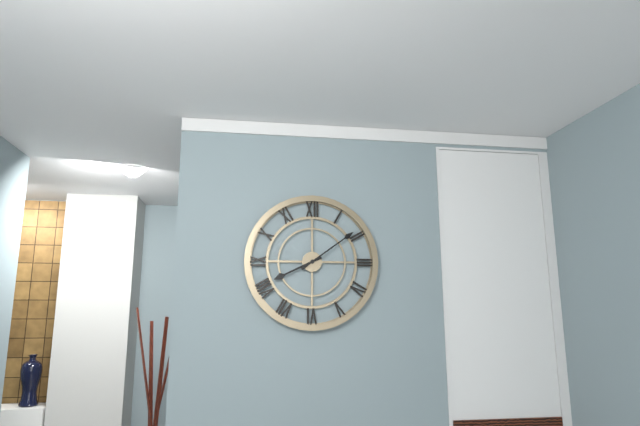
h=8 m=9
